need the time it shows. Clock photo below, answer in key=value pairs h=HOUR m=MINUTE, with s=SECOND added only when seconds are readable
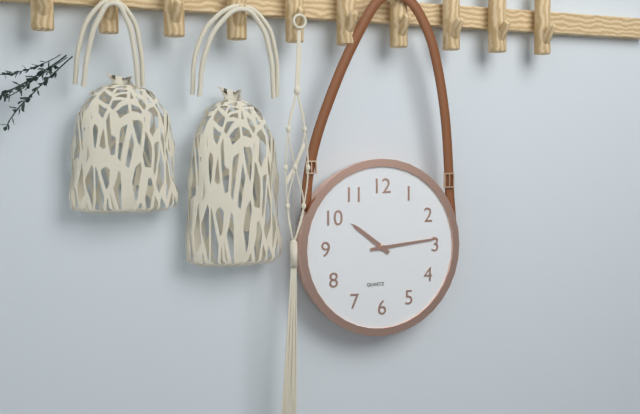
h=10 m=14
